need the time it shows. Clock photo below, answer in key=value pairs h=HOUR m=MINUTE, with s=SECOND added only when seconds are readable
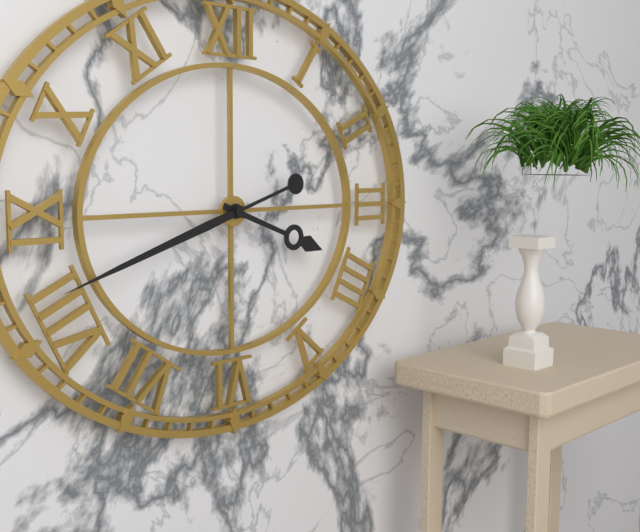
h=3 m=42
